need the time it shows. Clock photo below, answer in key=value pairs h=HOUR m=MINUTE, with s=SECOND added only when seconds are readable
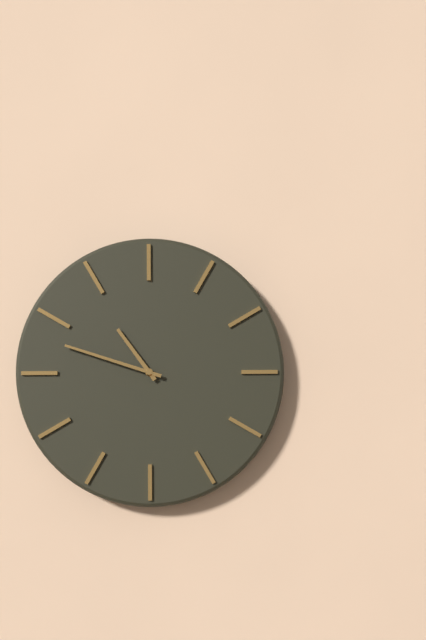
h=10 m=48
